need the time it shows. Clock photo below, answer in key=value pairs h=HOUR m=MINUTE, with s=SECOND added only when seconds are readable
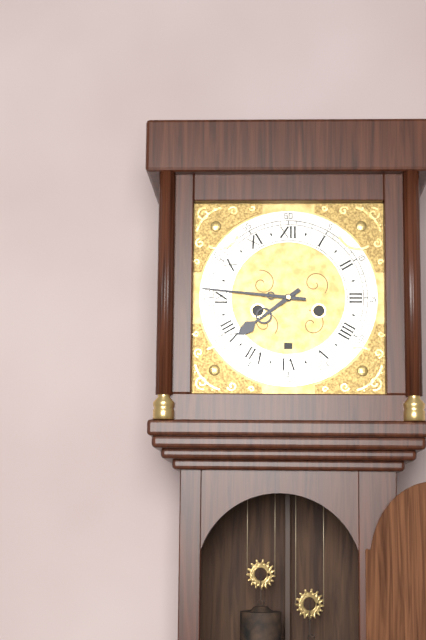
h=7 m=46
